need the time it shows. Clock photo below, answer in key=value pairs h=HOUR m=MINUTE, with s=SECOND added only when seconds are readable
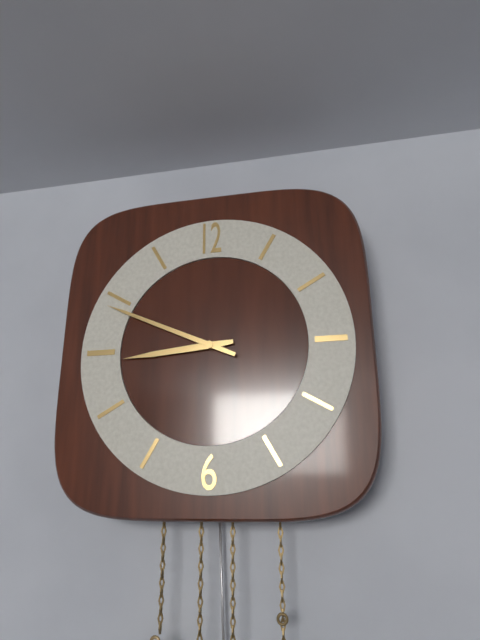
h=8 m=49
